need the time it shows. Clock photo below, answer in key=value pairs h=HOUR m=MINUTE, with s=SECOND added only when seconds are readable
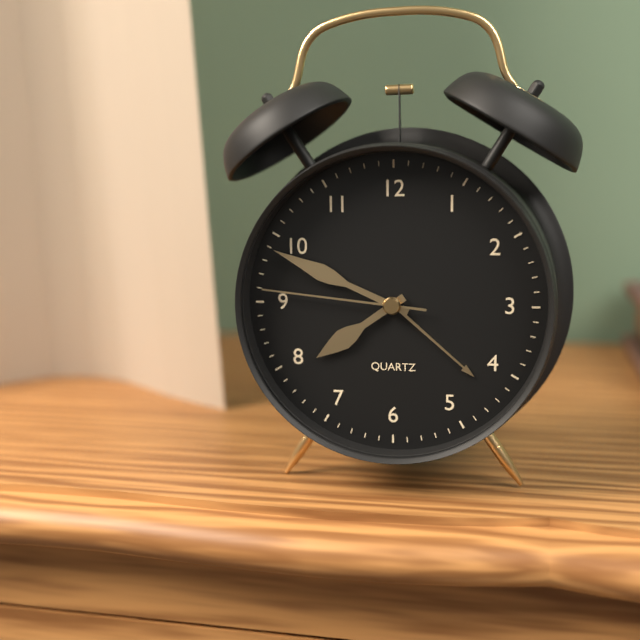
h=7 m=49 s=46
